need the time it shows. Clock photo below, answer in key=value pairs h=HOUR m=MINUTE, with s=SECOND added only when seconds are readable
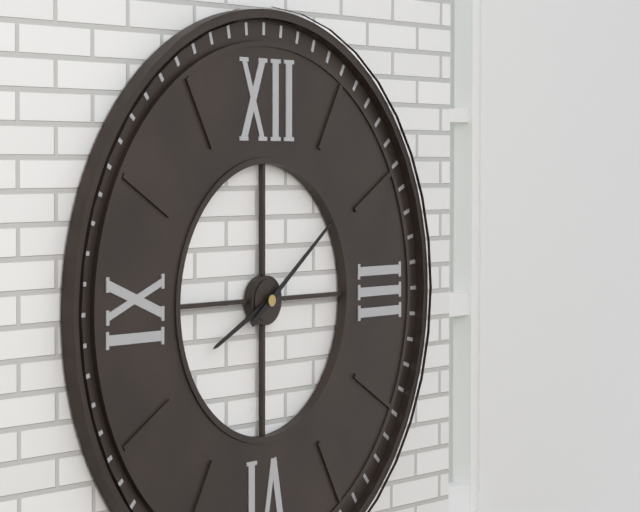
h=8 m=9
